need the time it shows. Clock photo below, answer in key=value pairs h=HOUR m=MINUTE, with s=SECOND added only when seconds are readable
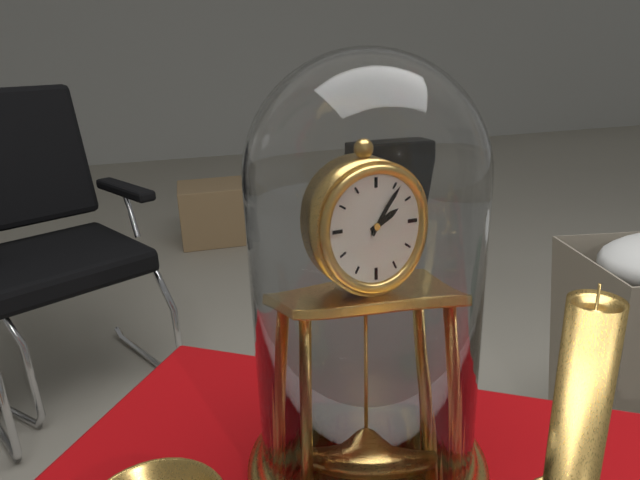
h=2 m=6
